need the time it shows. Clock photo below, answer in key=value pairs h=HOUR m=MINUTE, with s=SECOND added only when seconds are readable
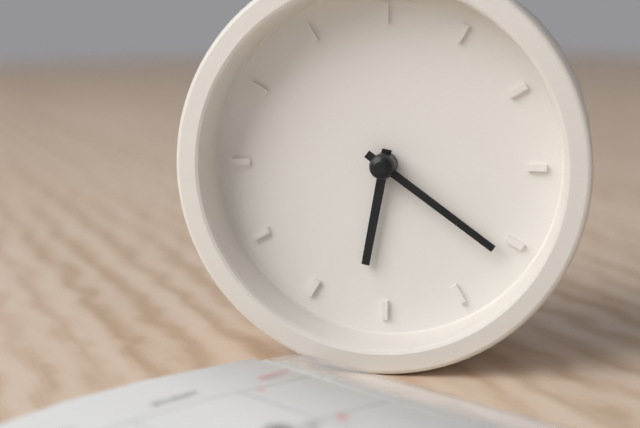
h=6 m=21
